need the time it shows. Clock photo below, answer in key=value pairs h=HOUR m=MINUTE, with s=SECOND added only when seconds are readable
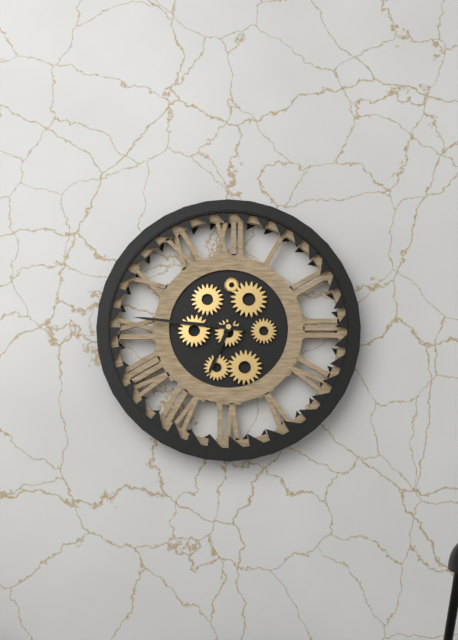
h=6 m=46
